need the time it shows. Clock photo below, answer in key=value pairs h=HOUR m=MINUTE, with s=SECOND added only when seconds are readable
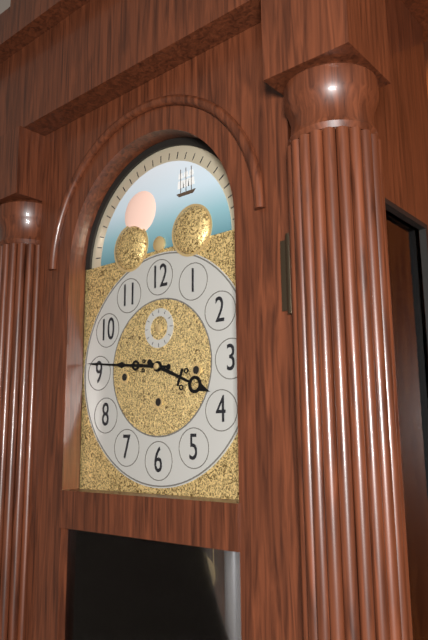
h=3 m=46
